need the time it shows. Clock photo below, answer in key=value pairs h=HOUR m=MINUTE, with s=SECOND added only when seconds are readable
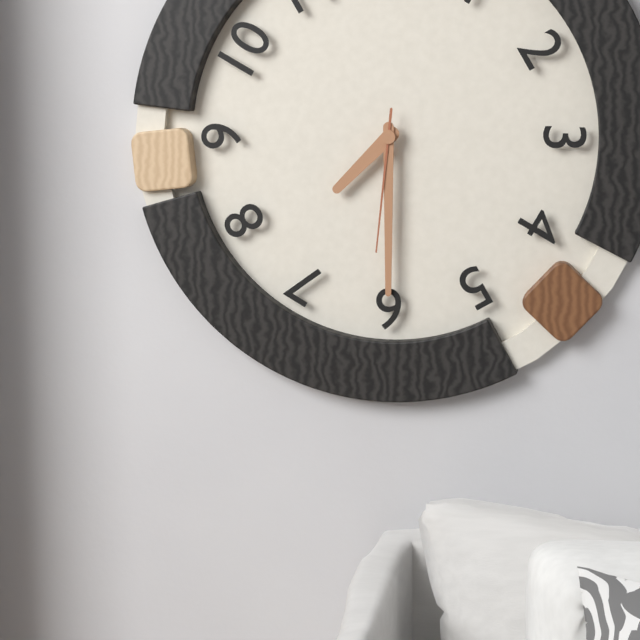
h=7 m=30 s=31
